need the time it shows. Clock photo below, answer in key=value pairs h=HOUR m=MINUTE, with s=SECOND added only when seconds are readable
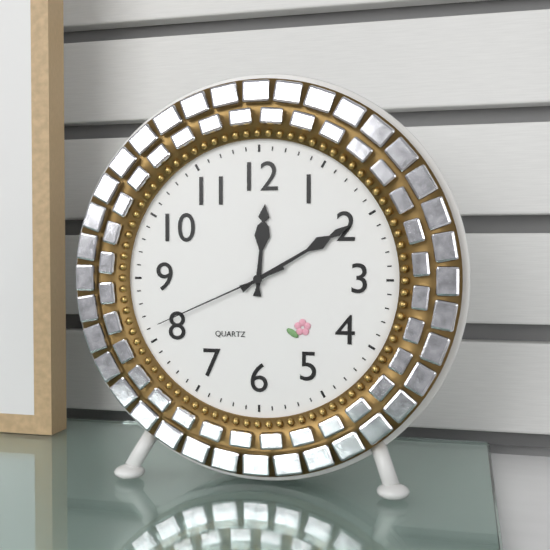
h=12 m=10 s=41
